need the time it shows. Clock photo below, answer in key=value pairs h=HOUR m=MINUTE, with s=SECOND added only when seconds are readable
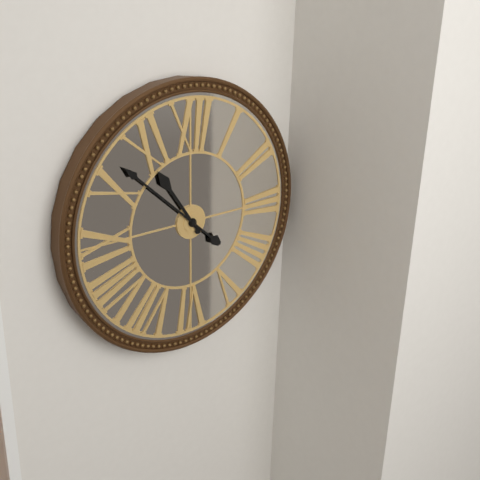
h=10 m=52
